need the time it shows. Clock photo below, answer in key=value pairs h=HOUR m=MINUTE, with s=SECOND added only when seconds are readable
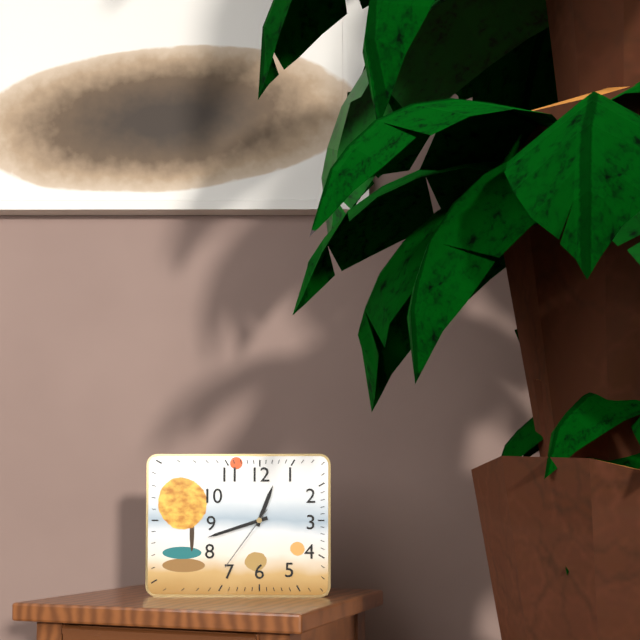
h=12 m=42 s=36
